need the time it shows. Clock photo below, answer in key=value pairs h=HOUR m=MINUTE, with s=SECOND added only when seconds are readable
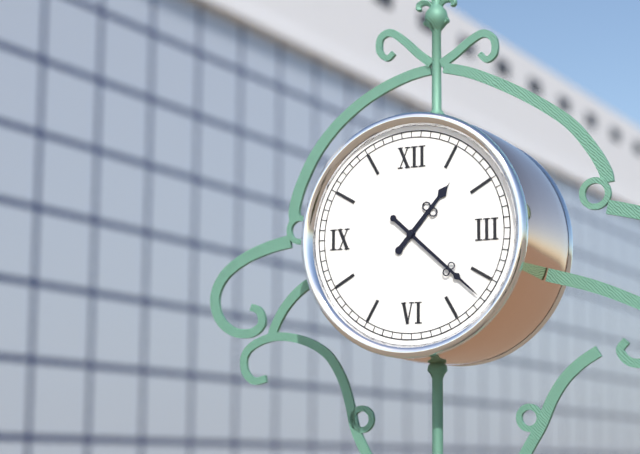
h=1 m=22
